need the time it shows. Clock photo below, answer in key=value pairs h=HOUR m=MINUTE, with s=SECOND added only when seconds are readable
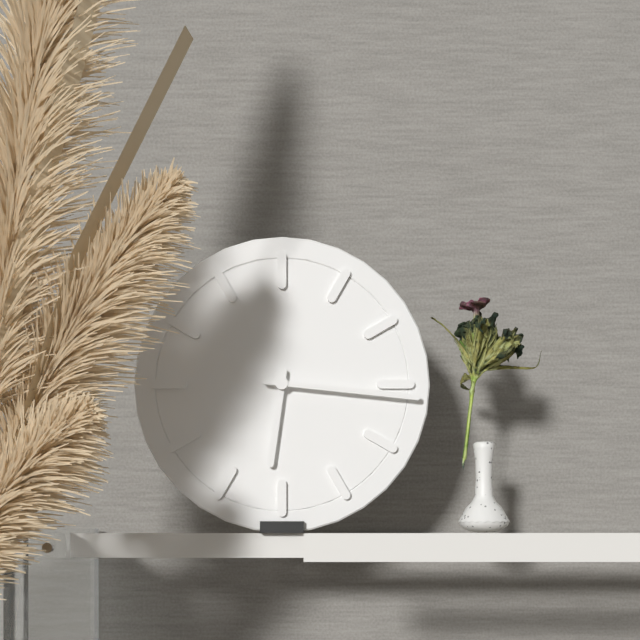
h=6 m=16
